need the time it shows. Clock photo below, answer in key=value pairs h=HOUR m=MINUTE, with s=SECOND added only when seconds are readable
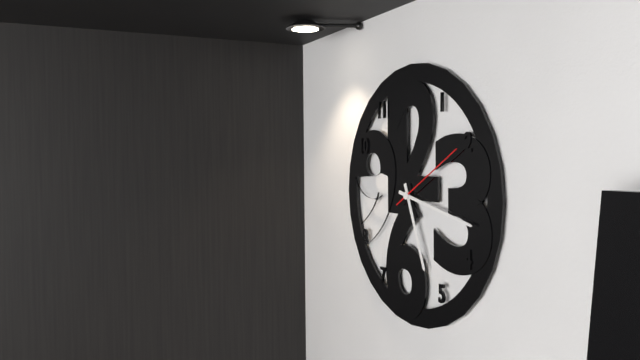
h=5 m=17 s=10
